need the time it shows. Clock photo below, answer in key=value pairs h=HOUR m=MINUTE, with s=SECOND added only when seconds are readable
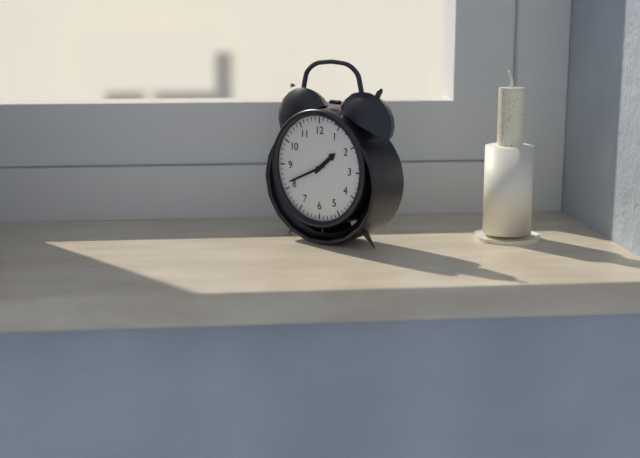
h=1 m=41
